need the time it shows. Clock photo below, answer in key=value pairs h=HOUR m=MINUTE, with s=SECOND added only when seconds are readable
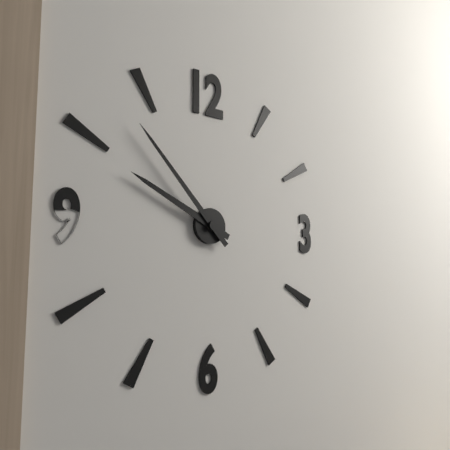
h=9 m=53
